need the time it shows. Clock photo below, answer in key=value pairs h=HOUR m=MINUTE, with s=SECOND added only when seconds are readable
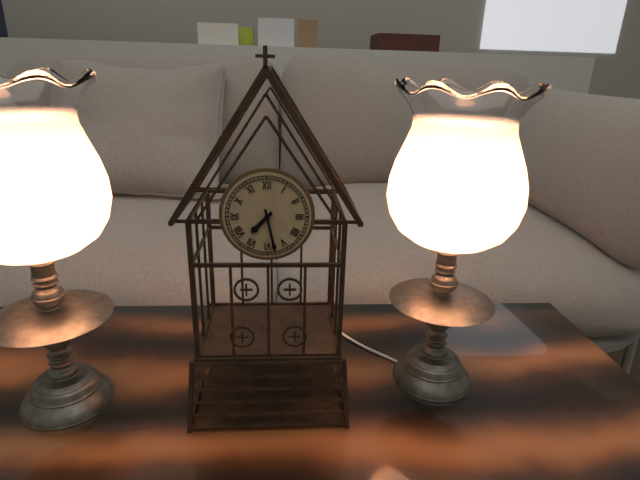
h=7 m=28
